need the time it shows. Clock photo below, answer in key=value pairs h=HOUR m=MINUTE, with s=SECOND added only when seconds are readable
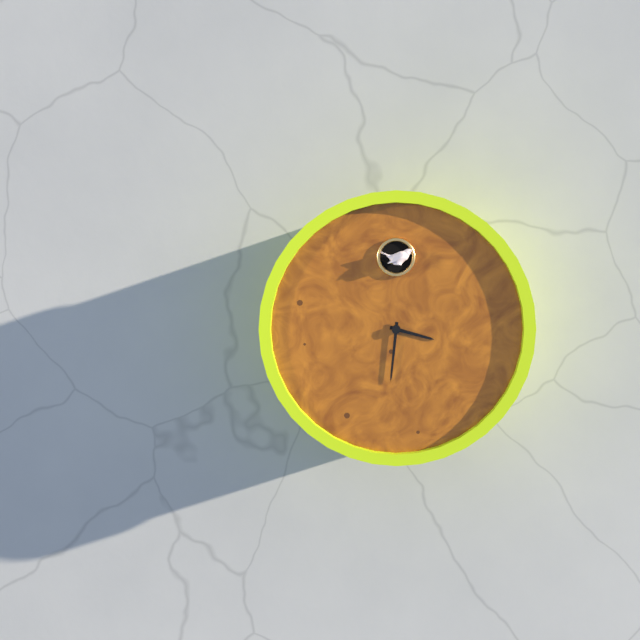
h=3 m=31
